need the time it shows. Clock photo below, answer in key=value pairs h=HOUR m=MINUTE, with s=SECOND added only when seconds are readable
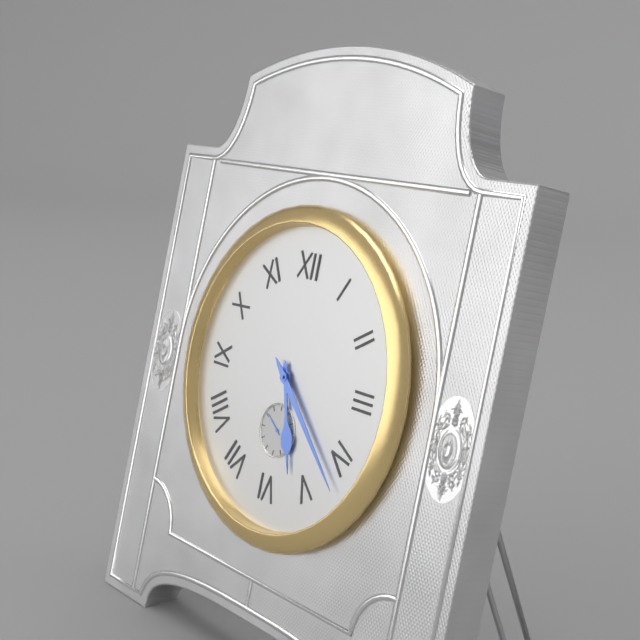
h=5 m=22
